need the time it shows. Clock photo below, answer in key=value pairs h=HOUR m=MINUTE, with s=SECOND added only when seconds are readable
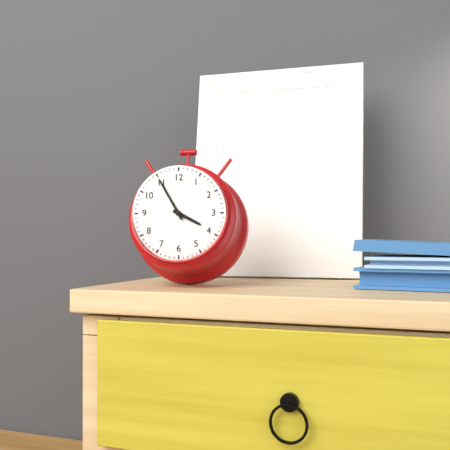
h=3 m=55
